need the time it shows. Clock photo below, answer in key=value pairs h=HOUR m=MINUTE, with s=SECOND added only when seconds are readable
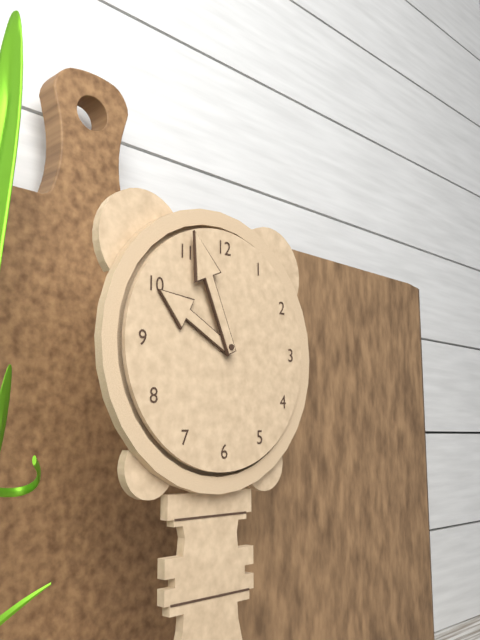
h=9 m=56
